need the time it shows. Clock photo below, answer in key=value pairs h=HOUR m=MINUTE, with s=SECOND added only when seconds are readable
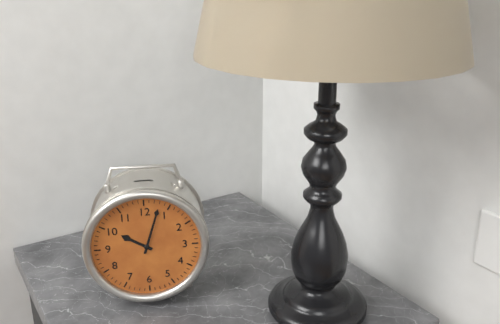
h=10 m=3
